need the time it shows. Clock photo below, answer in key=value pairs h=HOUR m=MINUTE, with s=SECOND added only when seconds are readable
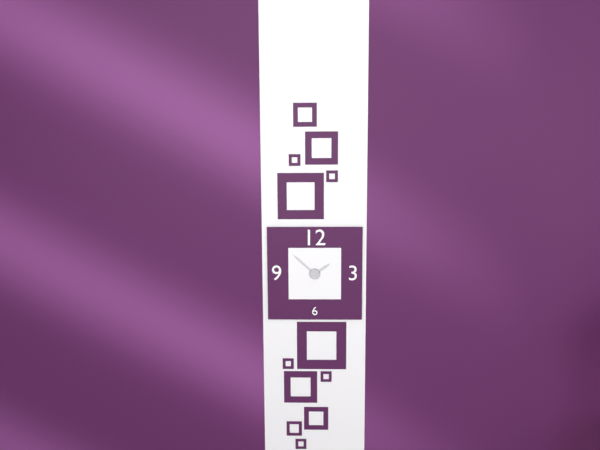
h=1 m=52
